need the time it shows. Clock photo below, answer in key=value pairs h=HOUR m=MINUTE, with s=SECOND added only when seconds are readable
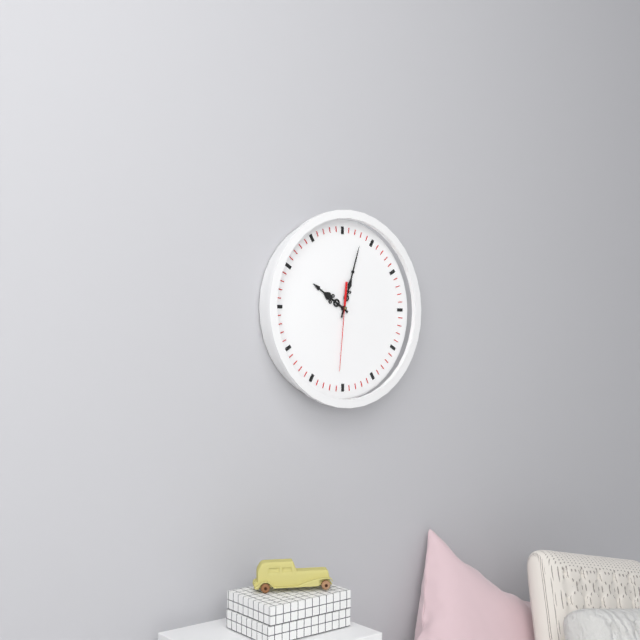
h=10 m=3 s=31
